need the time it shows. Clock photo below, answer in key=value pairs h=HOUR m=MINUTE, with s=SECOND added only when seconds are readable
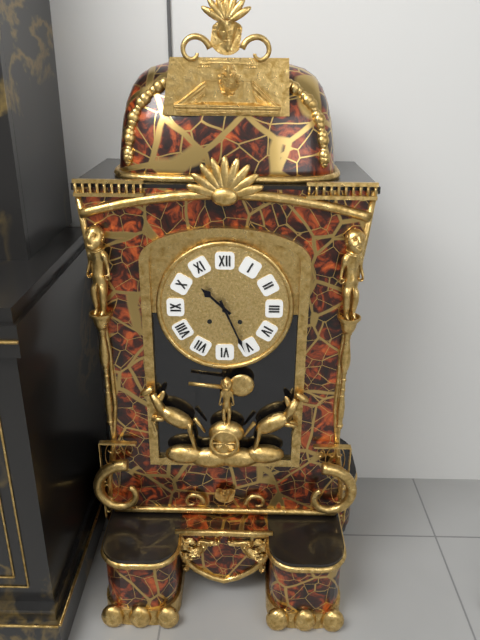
h=10 m=26
